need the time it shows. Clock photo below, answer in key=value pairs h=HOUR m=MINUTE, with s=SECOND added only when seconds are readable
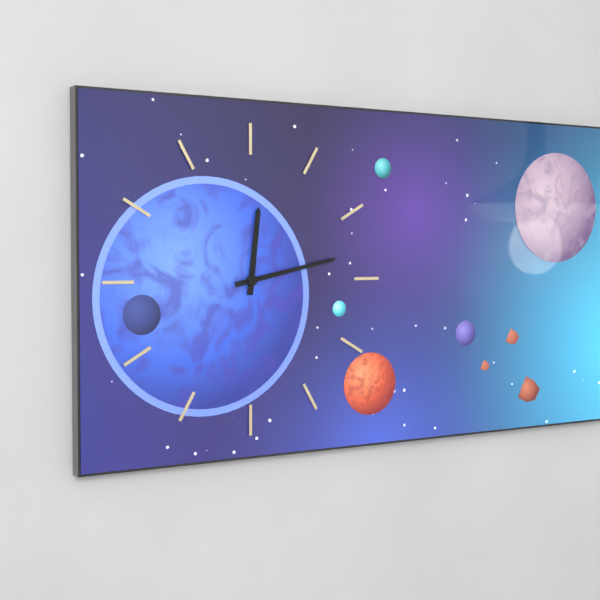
h=12 m=13
